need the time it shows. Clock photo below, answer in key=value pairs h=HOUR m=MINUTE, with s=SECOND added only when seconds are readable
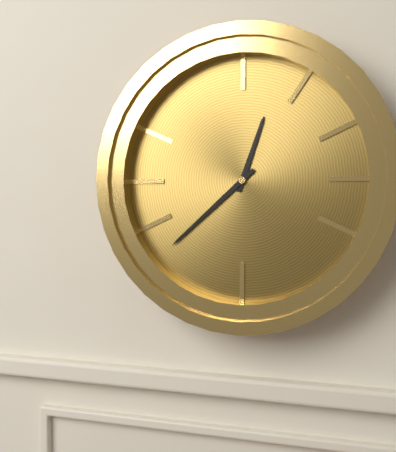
h=12 m=38
